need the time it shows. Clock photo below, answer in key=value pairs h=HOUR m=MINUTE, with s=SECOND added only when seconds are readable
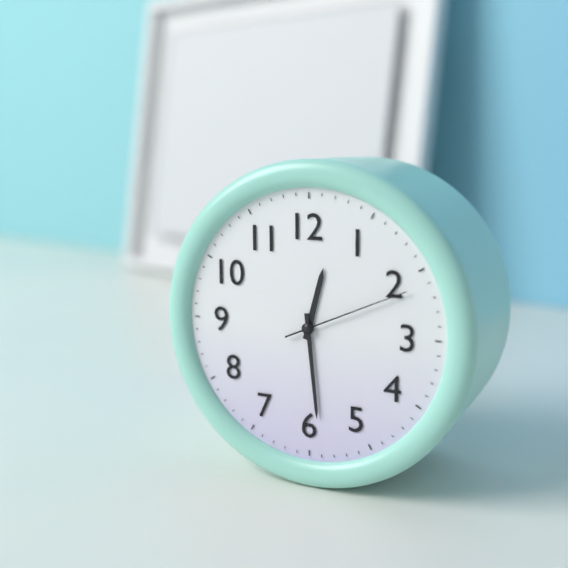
h=12 m=29 s=11
